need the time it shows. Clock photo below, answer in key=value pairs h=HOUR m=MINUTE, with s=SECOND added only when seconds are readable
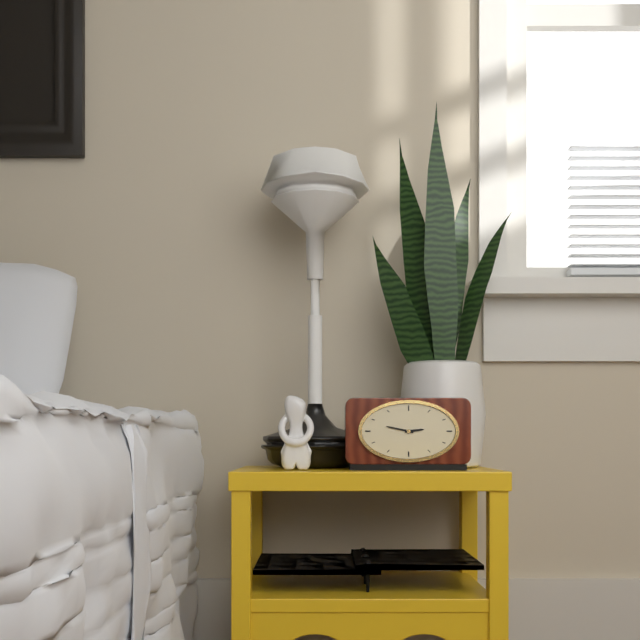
h=2 m=47
